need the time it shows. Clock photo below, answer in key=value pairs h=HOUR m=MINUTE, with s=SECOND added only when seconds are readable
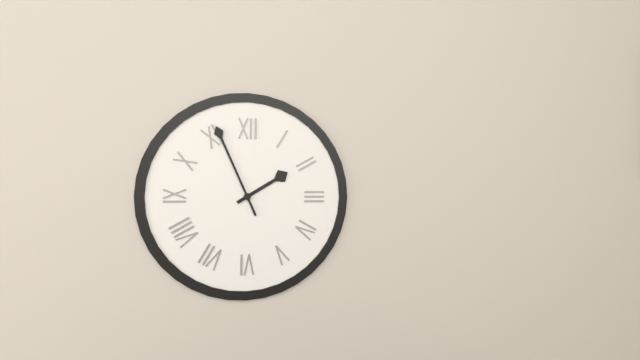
h=1 m=56
